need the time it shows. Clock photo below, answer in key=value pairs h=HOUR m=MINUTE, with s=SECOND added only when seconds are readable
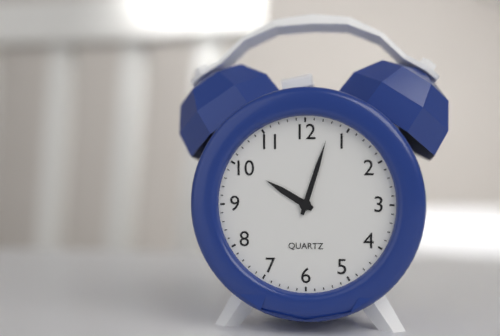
h=10 m=3
